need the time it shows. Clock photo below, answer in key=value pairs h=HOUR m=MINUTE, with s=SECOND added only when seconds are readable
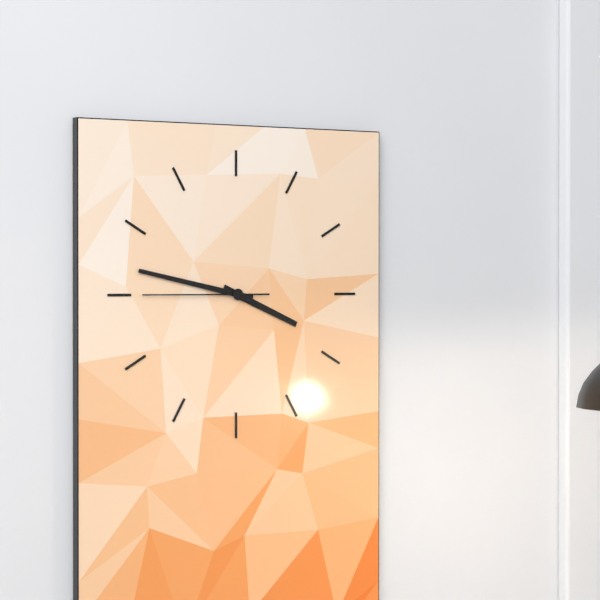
h=3 m=47 s=45
